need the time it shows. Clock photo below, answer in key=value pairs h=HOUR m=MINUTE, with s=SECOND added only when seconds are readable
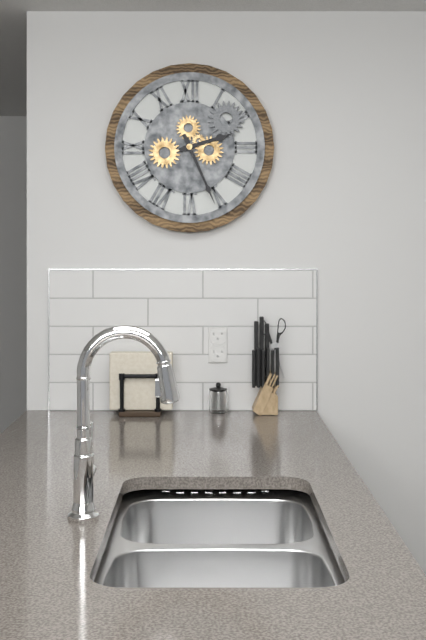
h=2 m=26
